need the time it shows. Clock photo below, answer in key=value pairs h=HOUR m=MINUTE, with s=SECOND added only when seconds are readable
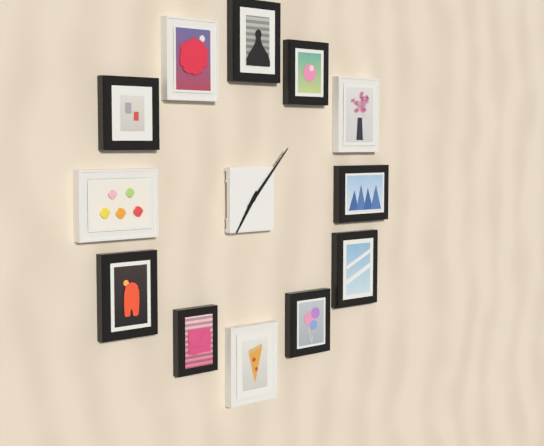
h=7 m=7
